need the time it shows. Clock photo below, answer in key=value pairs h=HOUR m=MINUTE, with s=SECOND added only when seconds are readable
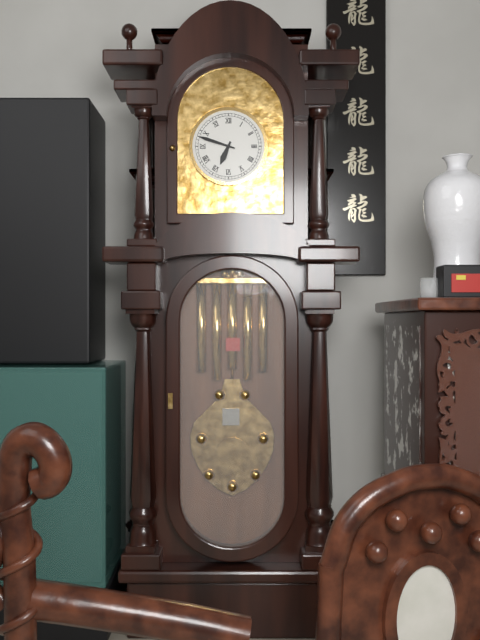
h=6 m=48
